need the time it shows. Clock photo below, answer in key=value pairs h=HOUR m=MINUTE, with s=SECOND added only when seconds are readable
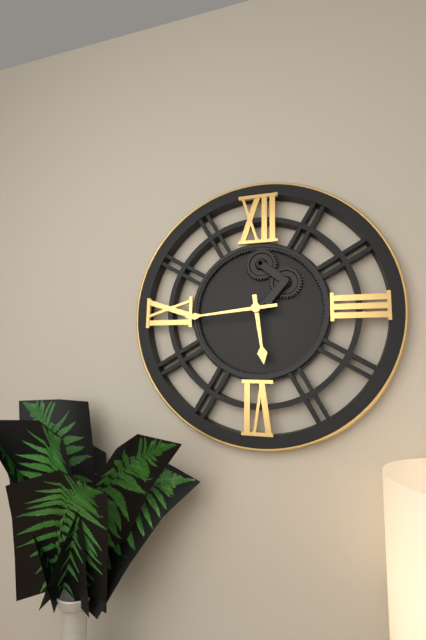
h=5 m=44
